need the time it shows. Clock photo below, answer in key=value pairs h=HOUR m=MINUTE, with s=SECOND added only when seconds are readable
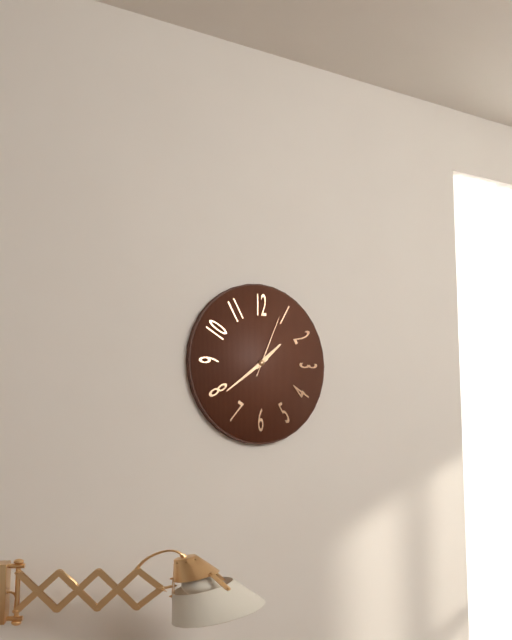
h=1 m=39 s=4
